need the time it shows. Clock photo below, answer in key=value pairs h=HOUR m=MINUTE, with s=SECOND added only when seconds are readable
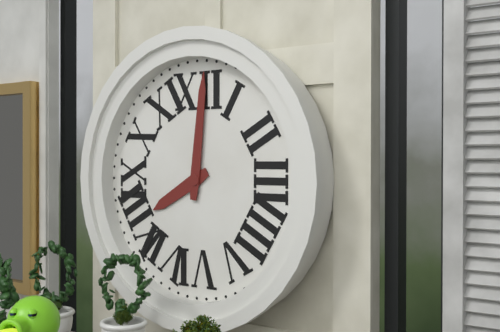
h=8 m=1
